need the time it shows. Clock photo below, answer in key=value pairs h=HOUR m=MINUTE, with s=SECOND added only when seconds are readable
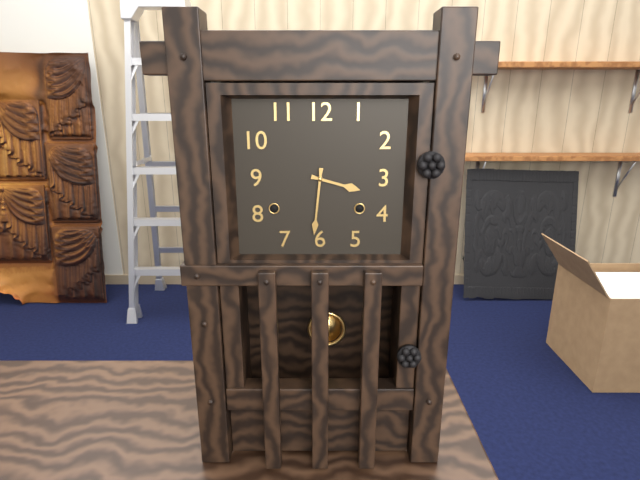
h=3 m=31
